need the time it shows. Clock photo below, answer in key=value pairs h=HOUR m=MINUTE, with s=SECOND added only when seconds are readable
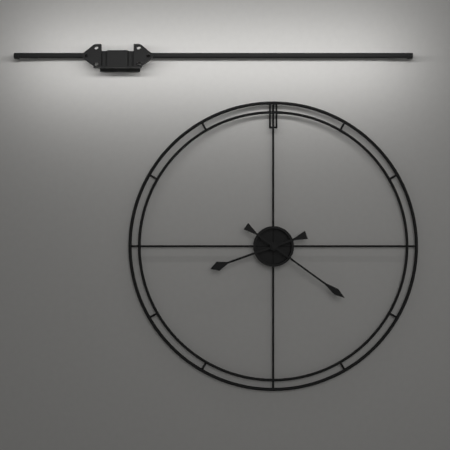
h=8 m=21
